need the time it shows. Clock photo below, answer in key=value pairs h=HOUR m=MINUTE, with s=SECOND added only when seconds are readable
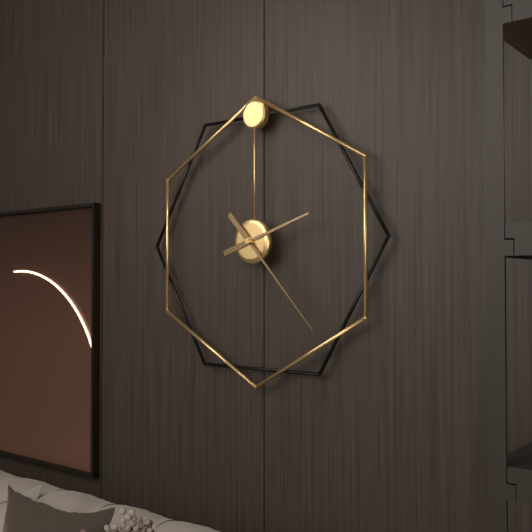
h=2 m=23
